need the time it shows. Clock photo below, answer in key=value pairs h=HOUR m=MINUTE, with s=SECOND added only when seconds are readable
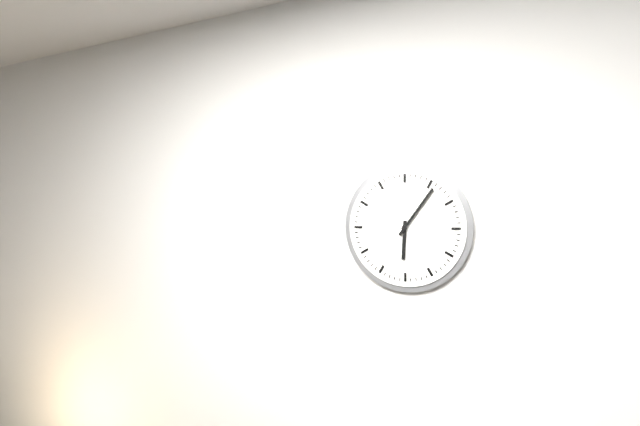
h=6 m=6
